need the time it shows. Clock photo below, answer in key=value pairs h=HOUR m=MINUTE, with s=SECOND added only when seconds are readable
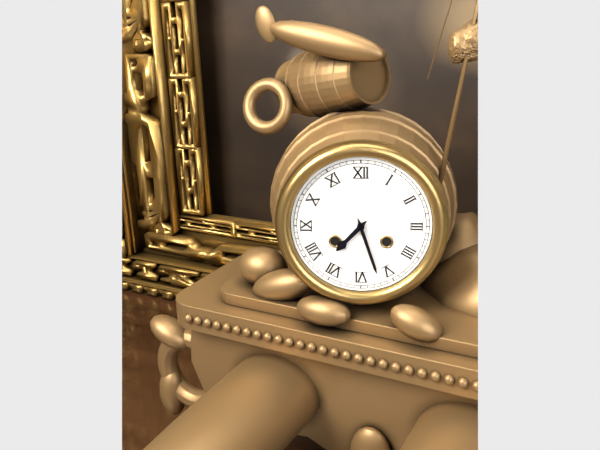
h=7 m=27
